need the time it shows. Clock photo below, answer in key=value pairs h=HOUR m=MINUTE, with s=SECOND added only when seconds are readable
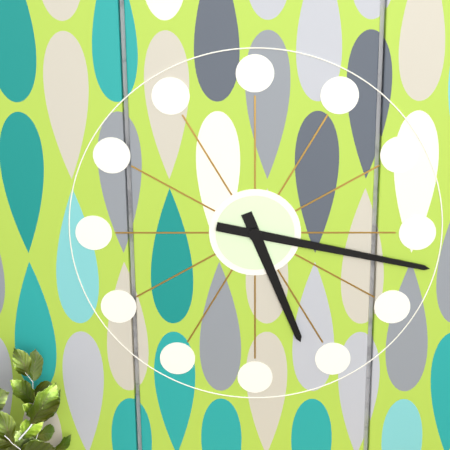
h=5 m=17
